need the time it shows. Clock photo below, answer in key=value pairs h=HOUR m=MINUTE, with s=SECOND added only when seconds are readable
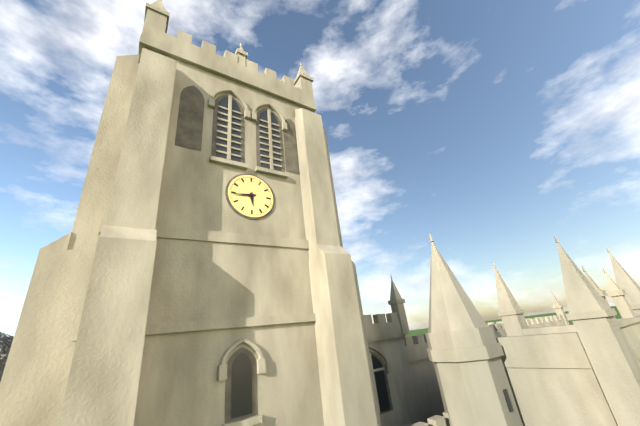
h=5 m=44
